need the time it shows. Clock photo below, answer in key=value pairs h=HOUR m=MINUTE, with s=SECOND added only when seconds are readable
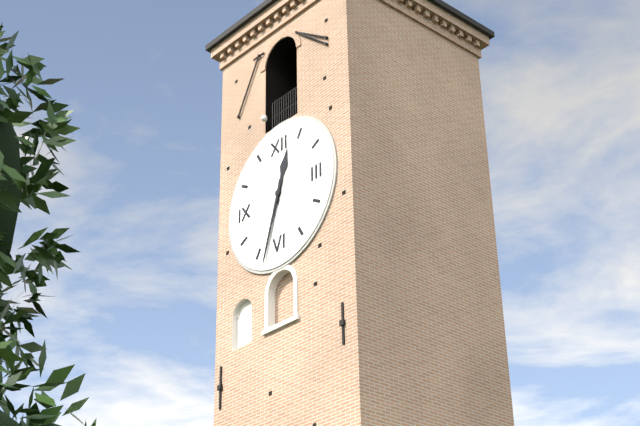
h=12 m=33
